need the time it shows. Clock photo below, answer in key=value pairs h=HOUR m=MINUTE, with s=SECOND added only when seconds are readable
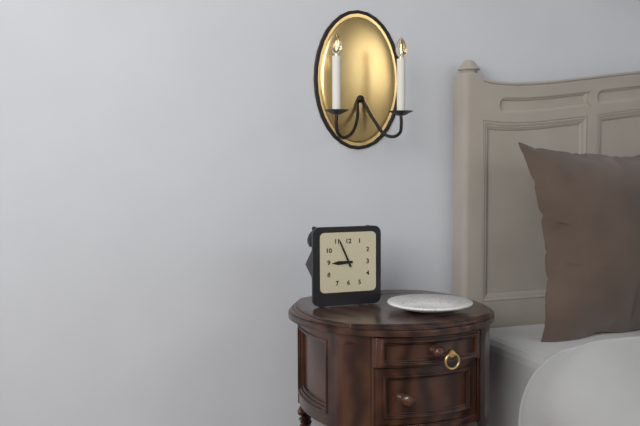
h=8 m=56
